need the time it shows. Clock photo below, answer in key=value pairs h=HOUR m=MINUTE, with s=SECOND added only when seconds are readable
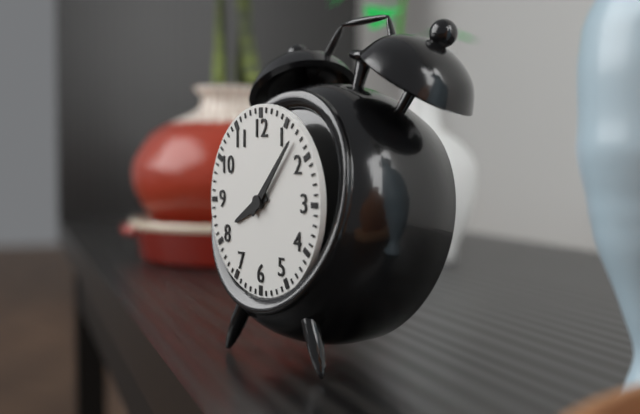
h=8 m=7
